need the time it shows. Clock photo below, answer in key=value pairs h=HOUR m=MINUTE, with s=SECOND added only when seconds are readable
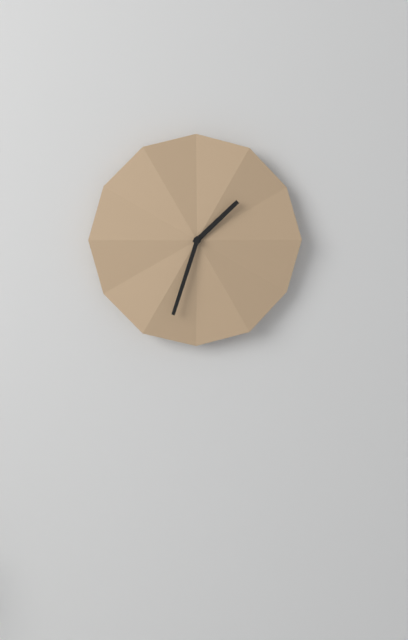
h=1 m=33
